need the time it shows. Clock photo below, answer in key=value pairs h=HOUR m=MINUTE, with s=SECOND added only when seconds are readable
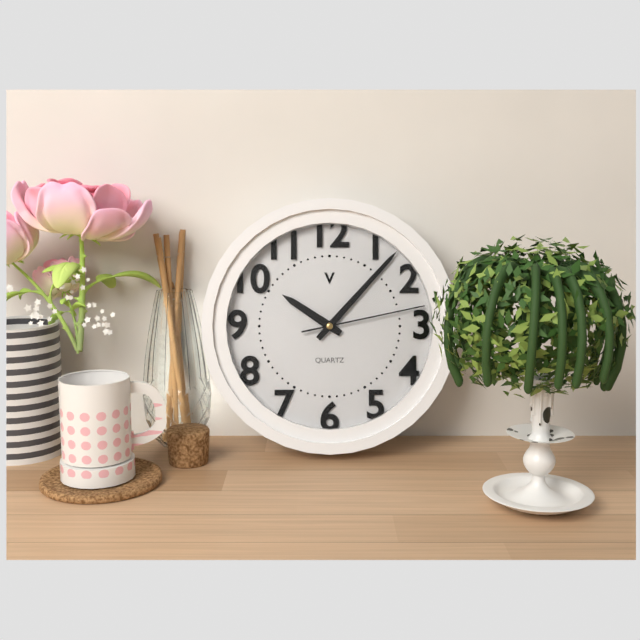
h=10 m=7 s=13
